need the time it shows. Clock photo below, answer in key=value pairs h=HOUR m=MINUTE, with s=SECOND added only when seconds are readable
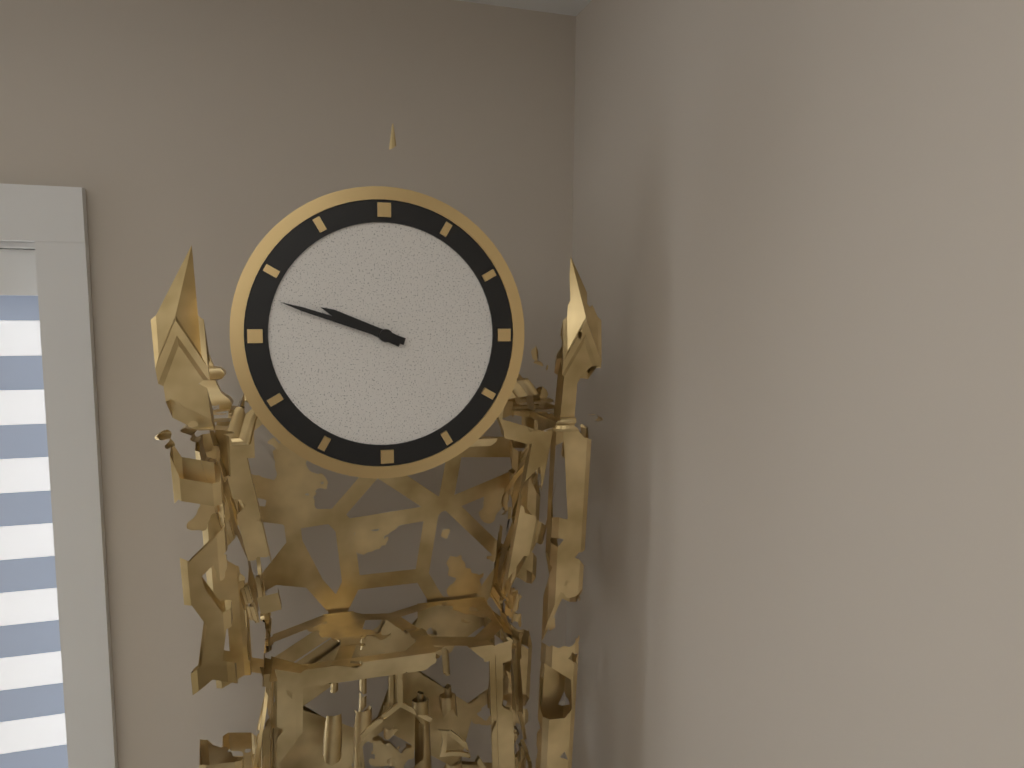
h=9 m=48
